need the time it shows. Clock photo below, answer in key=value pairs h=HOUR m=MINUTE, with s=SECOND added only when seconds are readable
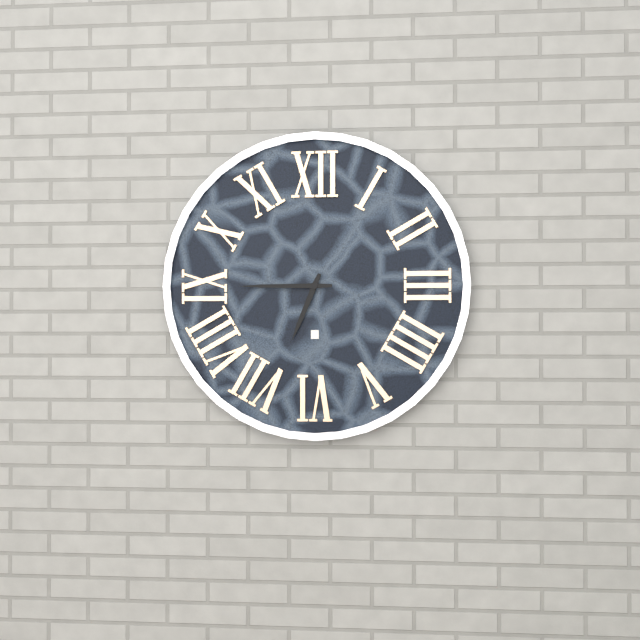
h=6 m=45
